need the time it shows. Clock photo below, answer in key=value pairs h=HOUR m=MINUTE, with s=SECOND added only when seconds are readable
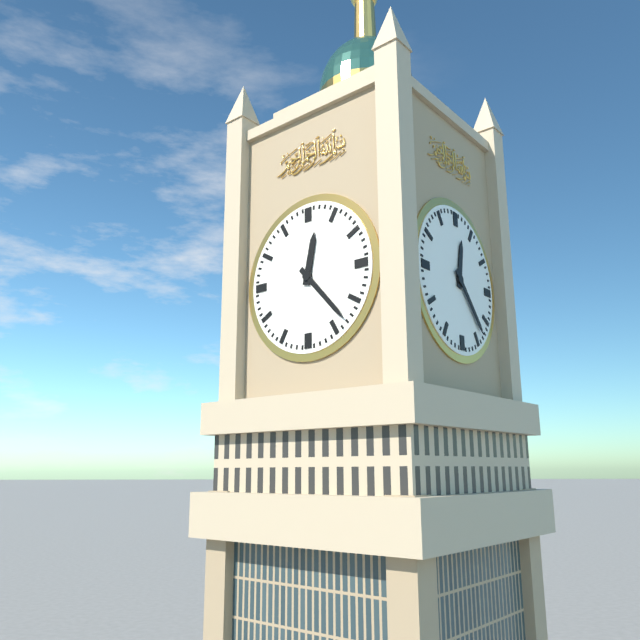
h=12 m=23
